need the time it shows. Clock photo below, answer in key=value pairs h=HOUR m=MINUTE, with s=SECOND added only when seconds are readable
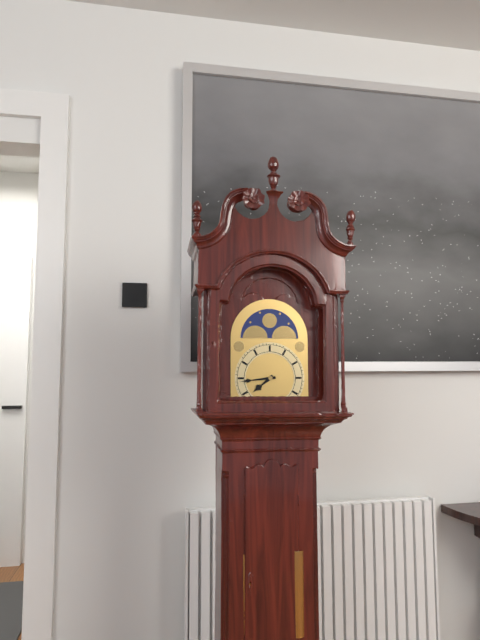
h=7 m=44
